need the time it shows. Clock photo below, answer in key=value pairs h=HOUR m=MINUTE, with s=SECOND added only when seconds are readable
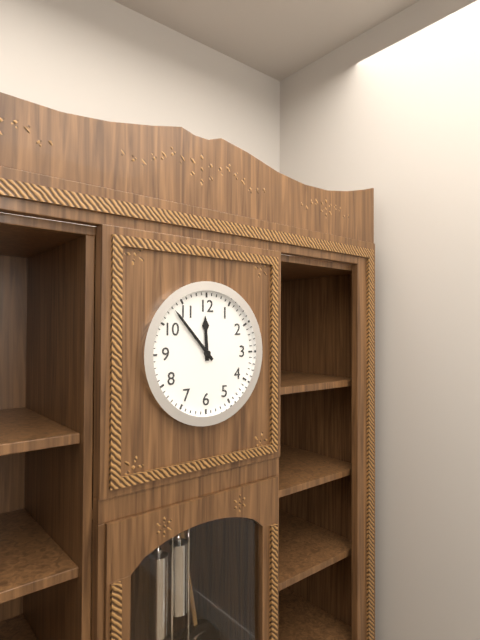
h=11 m=53
